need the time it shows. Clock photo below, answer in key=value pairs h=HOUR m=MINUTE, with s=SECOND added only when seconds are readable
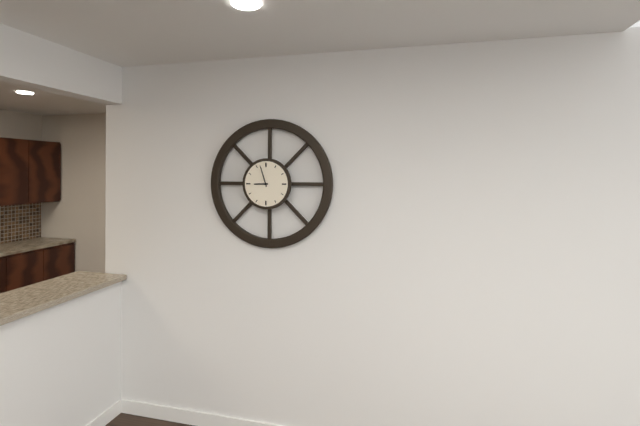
h=8 m=57
